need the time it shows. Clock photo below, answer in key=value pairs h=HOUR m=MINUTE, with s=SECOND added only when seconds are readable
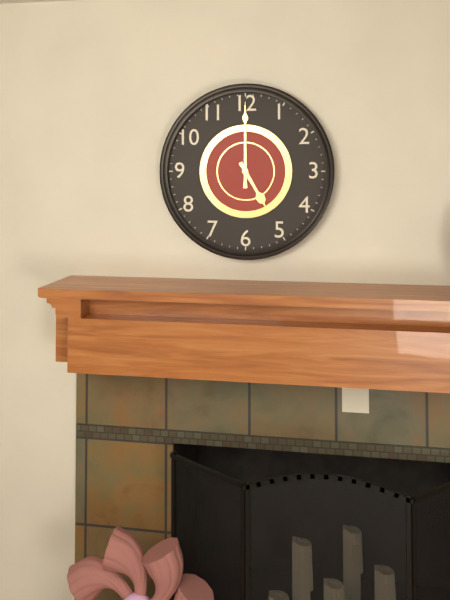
h=5 m=0
